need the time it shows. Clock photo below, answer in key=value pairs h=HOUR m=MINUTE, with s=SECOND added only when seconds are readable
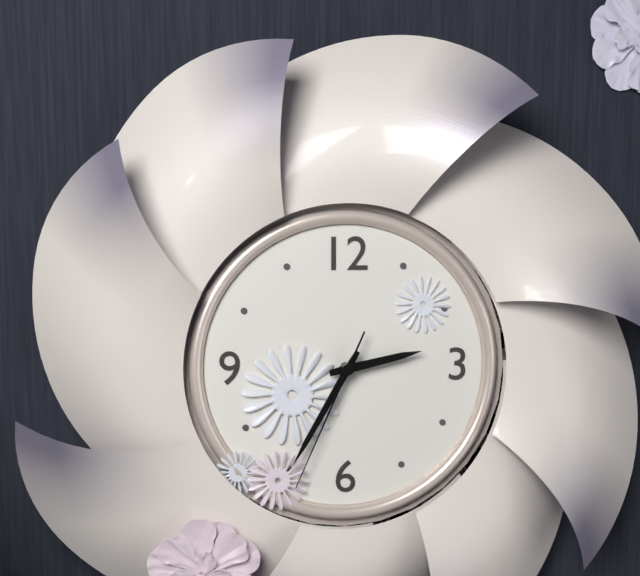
h=2 m=35 s=34
